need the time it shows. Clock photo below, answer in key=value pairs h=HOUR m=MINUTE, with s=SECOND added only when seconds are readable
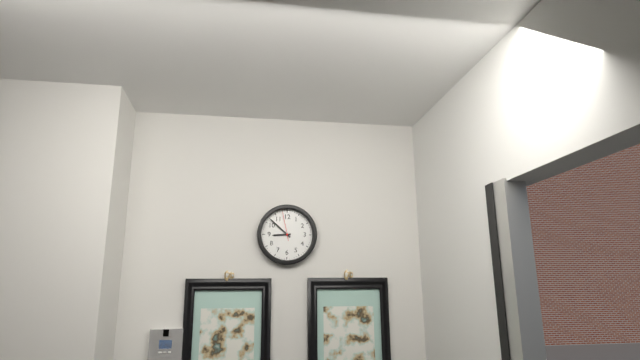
h=8 m=52
